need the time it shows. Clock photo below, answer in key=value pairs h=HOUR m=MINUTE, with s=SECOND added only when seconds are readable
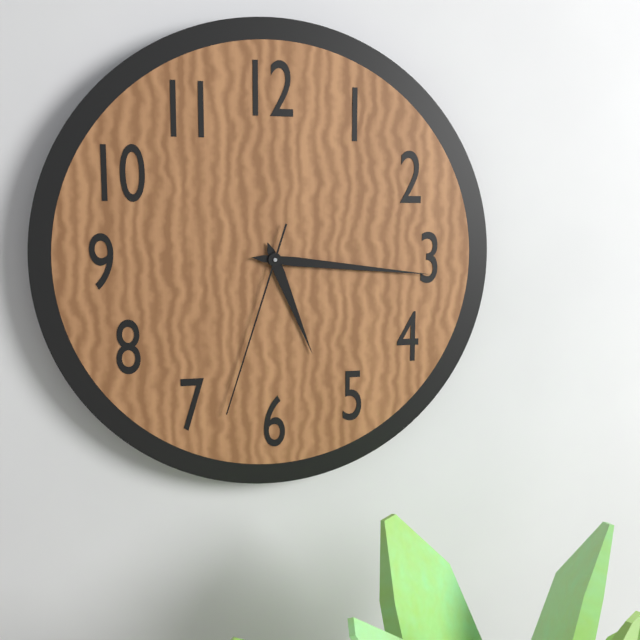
h=5 m=16 s=33
